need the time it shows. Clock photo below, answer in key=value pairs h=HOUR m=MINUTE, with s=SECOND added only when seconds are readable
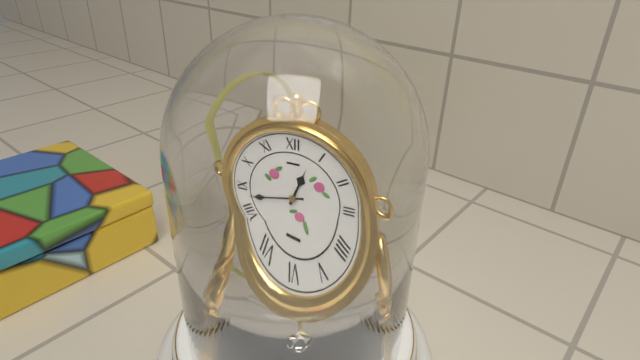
h=12 m=43
